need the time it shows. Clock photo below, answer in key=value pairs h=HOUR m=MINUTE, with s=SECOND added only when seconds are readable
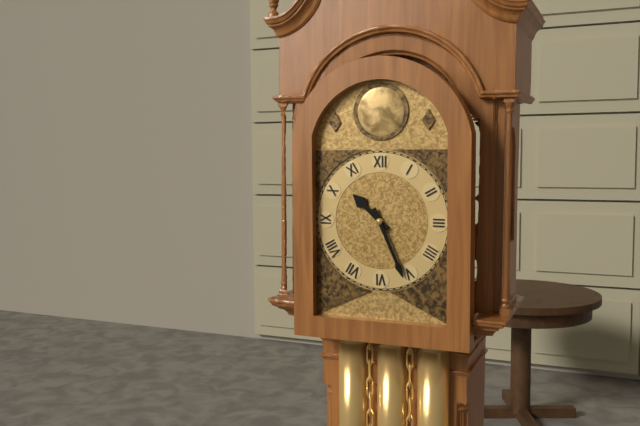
h=10 m=26
